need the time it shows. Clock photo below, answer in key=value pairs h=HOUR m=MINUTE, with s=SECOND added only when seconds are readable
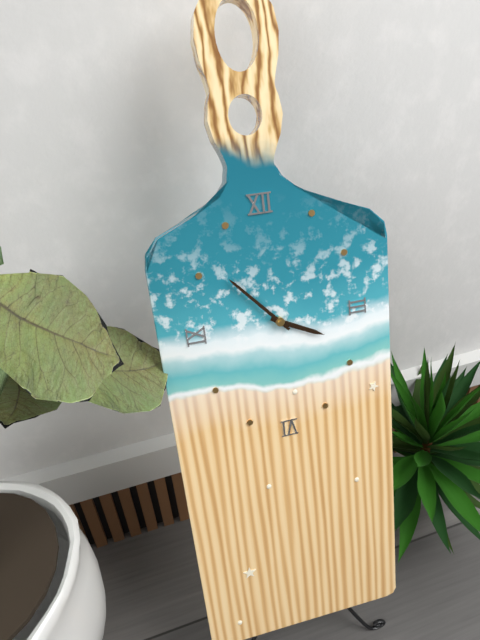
h=3 m=53
